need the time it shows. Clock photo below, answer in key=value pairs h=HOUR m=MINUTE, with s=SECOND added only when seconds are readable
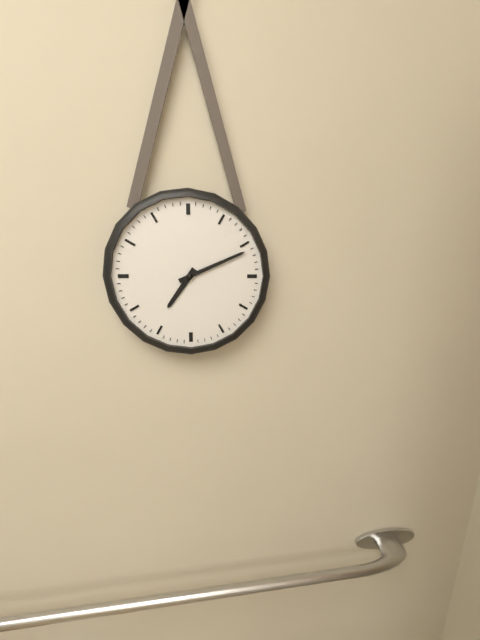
h=7 m=11
